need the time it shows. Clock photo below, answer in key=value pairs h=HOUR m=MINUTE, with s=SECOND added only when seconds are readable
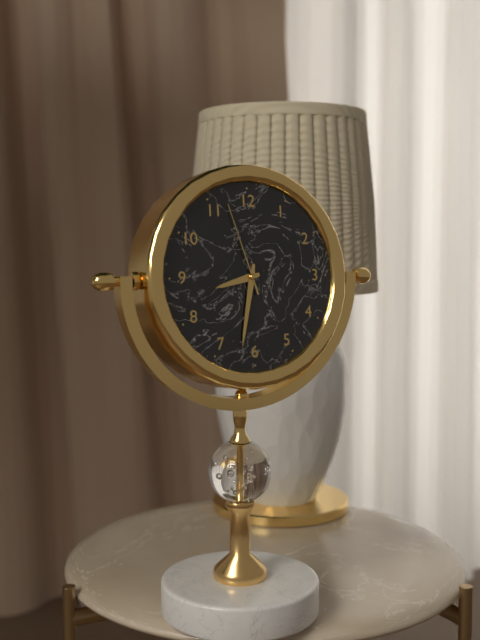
h=8 m=32 s=57
